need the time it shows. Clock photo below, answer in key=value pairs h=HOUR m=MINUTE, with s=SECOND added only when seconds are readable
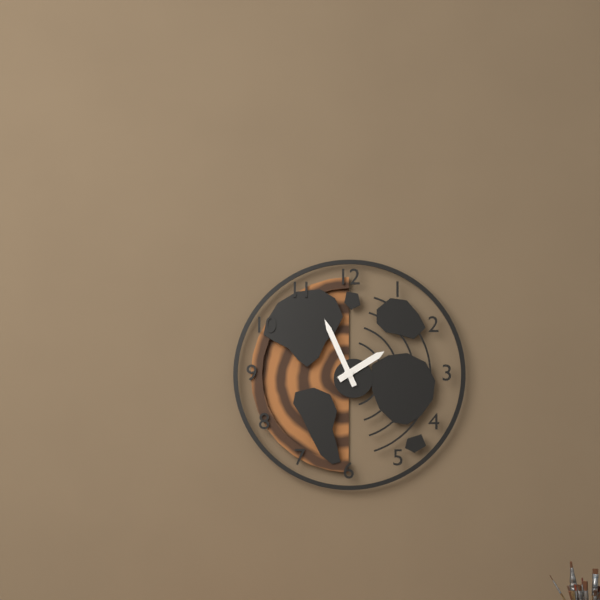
h=1 m=56
